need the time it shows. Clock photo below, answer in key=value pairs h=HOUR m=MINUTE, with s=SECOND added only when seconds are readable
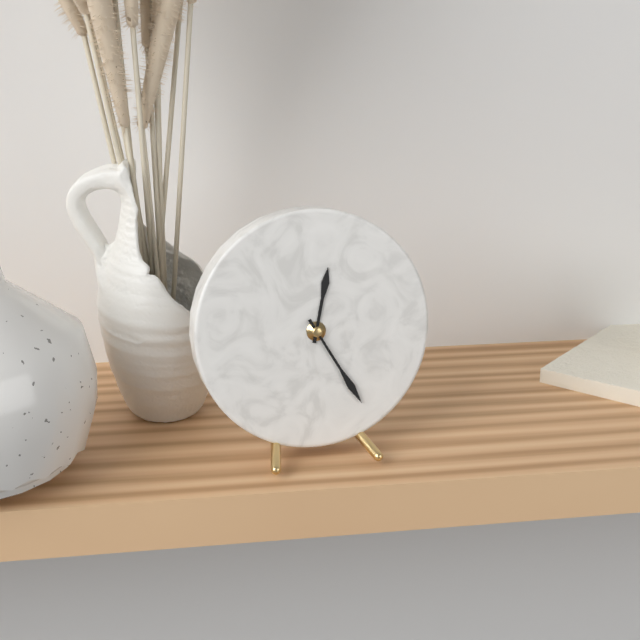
h=12 m=25
